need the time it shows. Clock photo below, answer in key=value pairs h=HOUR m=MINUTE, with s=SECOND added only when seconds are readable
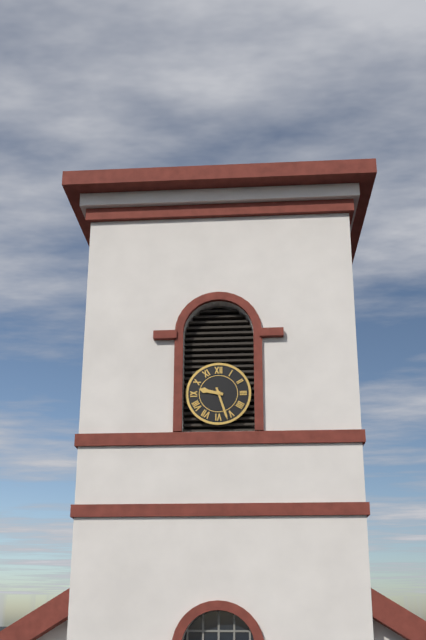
h=9 m=27
